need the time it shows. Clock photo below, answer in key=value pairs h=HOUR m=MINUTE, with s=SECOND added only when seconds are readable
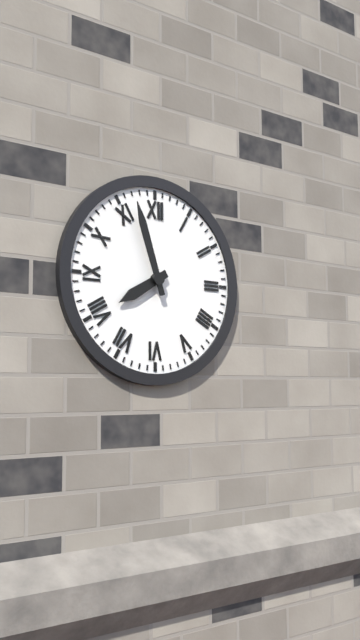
h=7 m=57
